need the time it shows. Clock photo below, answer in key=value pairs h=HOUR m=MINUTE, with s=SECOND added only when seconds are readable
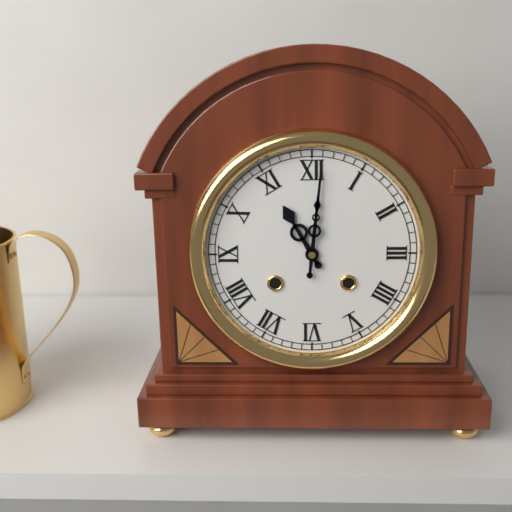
h=11 m=1
